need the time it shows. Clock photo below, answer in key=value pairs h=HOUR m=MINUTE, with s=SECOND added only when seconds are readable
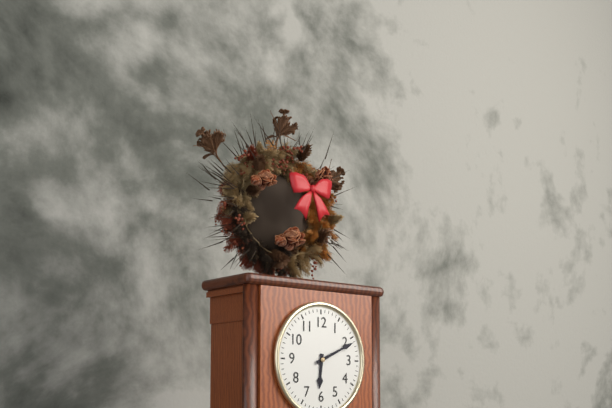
h=6 m=11
